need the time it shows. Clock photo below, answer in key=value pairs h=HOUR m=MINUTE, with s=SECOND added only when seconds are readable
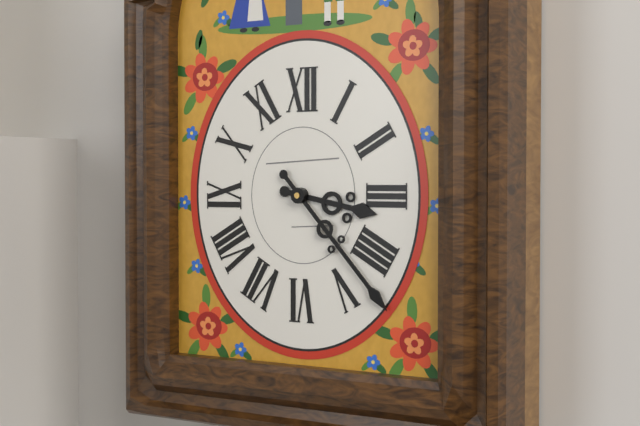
h=3 m=23
